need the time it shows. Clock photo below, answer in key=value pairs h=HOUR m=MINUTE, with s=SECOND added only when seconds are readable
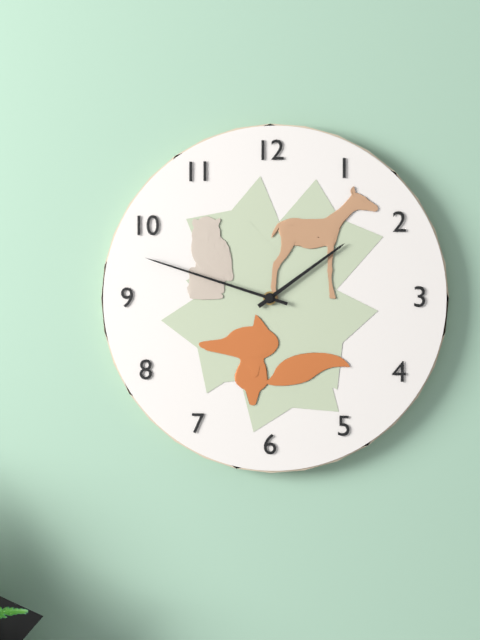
h=1 m=48
